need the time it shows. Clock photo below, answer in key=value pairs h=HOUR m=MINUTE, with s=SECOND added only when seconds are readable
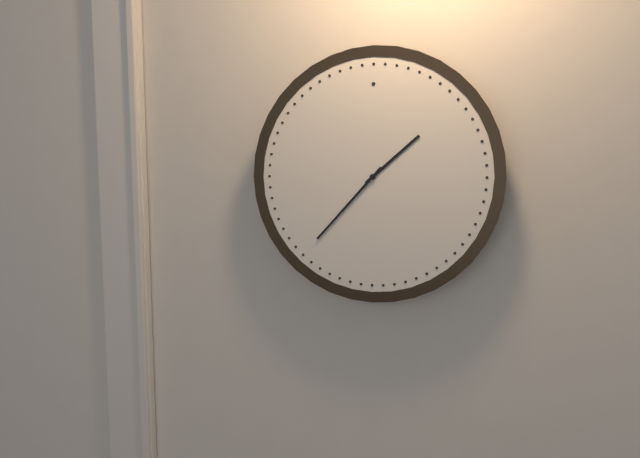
h=1 m=37
